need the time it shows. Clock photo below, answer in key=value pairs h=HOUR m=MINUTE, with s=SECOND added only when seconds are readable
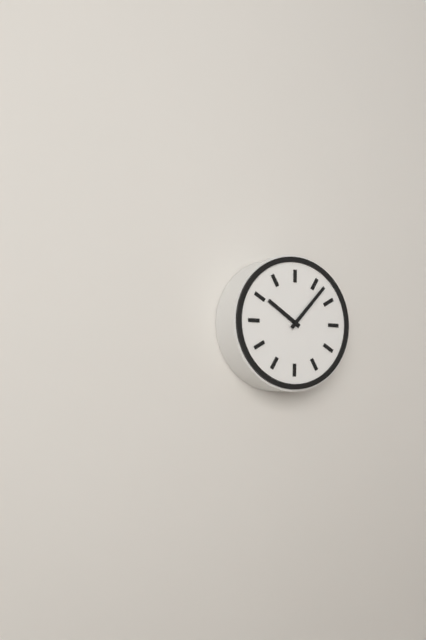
h=10 m=7
